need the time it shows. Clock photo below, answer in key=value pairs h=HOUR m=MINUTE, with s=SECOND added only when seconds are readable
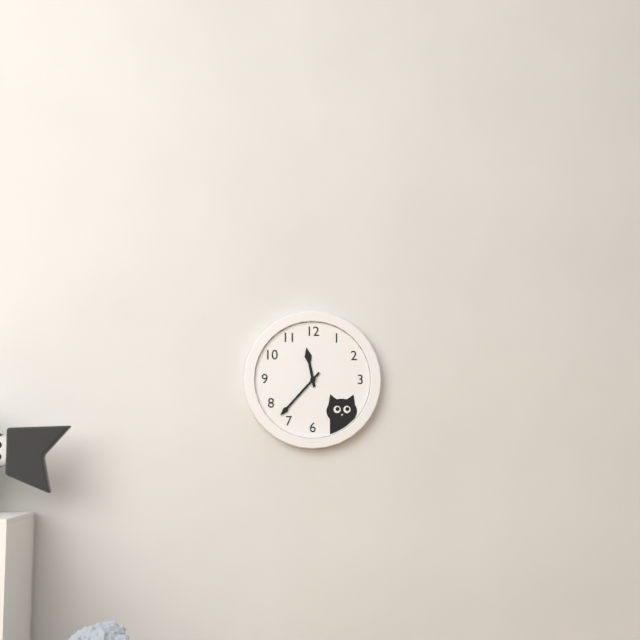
h=11 m=37
